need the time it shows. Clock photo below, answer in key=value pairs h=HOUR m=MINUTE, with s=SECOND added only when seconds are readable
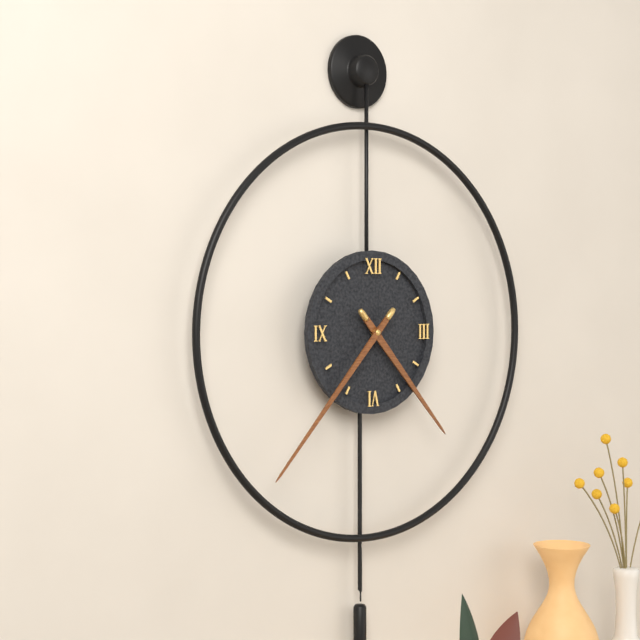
h=4 m=37
